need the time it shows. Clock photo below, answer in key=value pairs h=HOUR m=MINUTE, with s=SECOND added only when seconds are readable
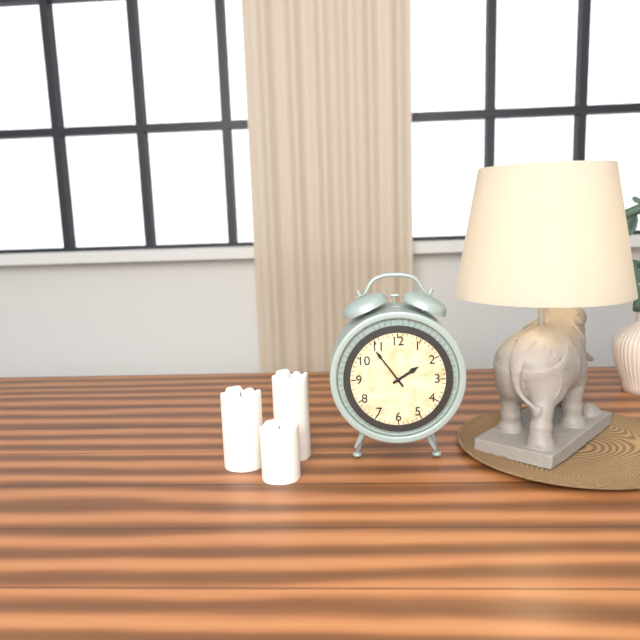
h=1 m=54
